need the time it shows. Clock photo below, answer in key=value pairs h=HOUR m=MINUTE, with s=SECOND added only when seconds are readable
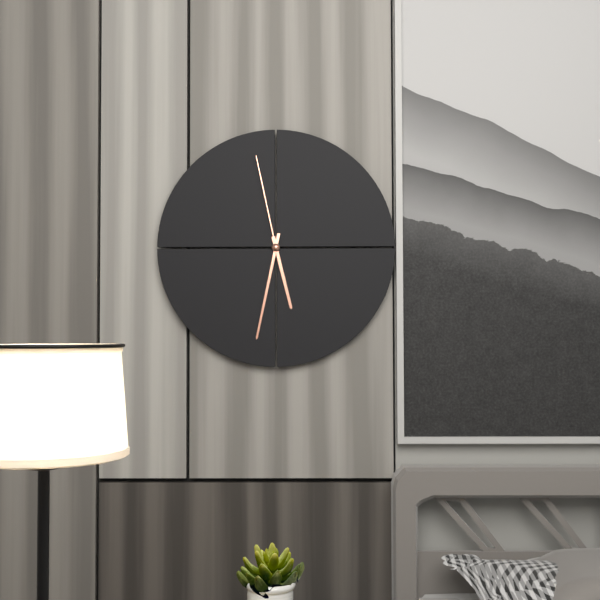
h=5 m=32 s=58
